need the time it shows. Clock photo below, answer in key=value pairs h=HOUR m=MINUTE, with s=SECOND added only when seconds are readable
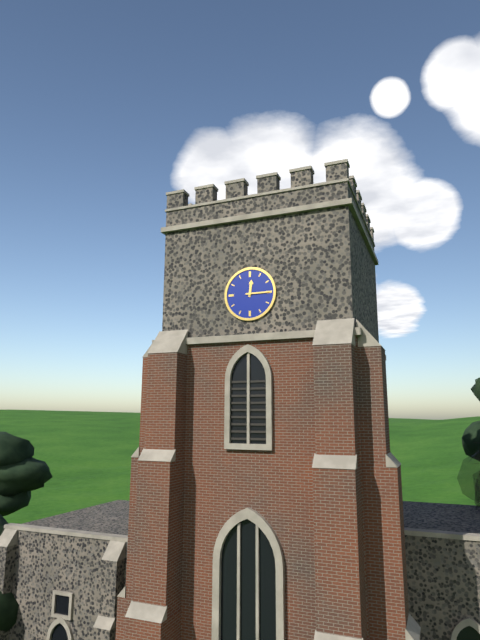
h=12 m=15
